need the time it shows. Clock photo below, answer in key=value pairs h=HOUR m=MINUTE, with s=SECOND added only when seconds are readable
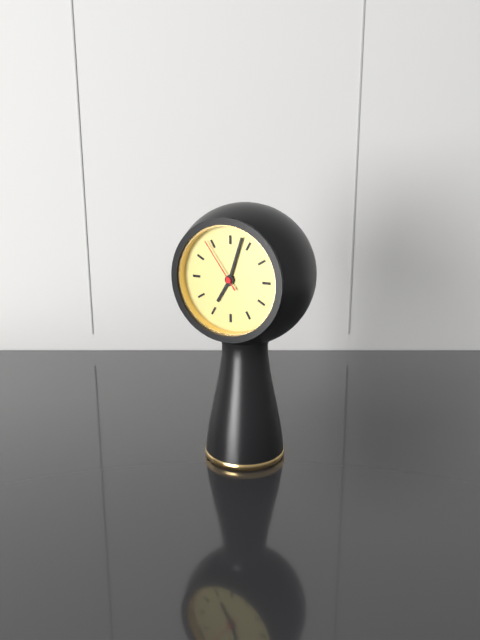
h=7 m=3 s=54
